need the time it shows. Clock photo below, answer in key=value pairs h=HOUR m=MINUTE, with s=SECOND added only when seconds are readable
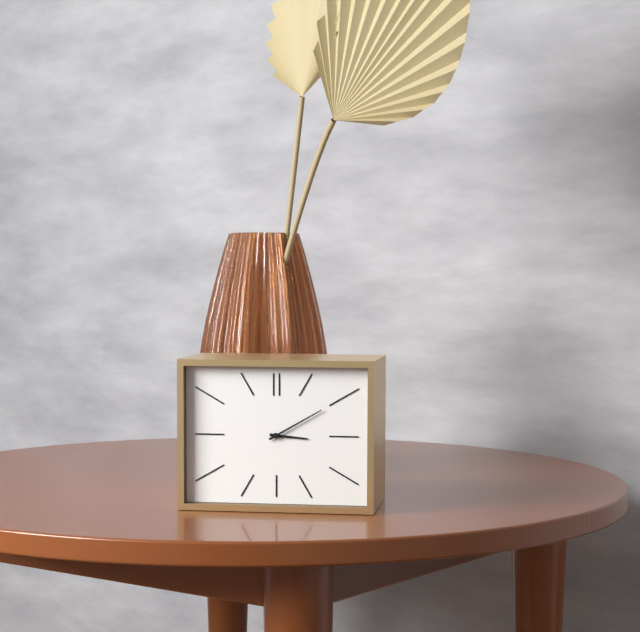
h=3 m=10
